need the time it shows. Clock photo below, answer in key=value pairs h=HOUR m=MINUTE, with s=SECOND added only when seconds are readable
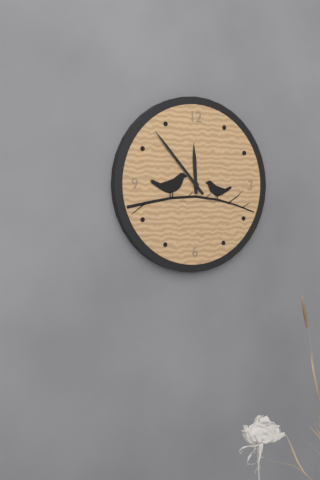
h=11 m=53
